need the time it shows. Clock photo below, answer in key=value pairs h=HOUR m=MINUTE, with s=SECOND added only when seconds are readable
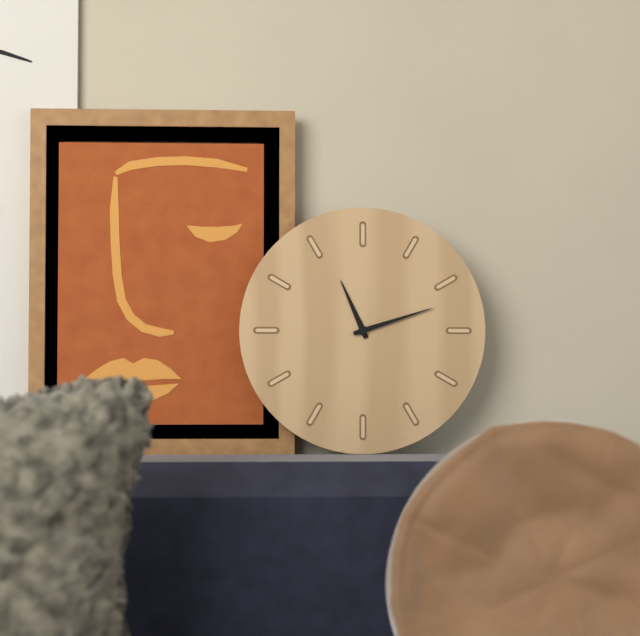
h=11 m=12
